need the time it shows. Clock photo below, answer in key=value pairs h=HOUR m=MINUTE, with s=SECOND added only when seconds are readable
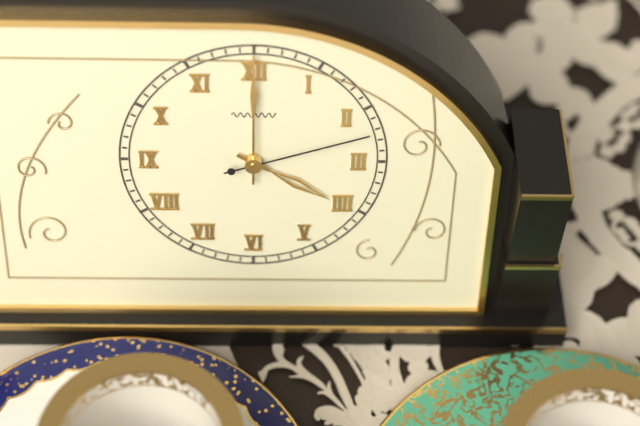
h=4 m=0 s=12
